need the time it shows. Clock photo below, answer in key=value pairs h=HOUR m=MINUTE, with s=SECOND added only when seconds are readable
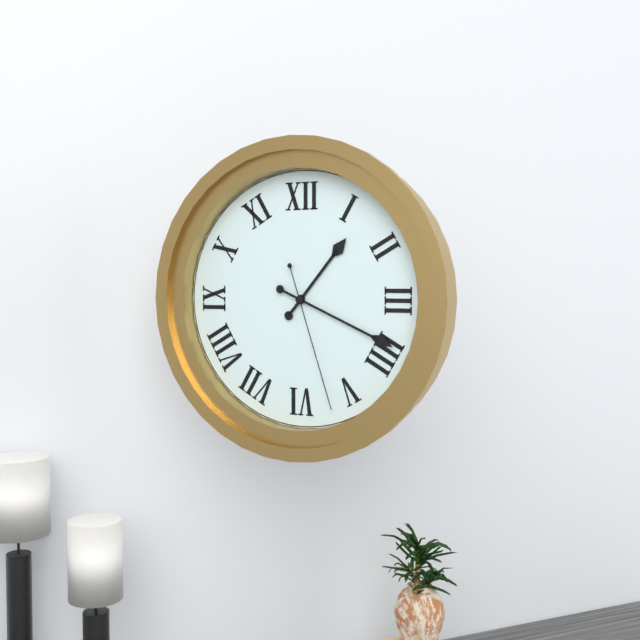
h=1 m=19 s=27
